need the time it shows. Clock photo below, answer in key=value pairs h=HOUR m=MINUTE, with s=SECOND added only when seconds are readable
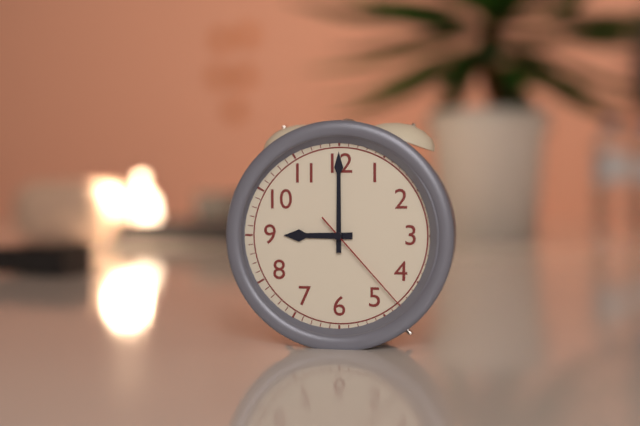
h=9 m=0 s=23
